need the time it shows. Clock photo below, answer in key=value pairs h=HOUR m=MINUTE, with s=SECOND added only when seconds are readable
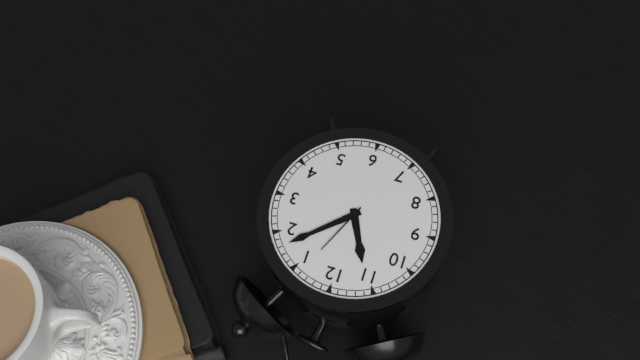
h=11 m=8
